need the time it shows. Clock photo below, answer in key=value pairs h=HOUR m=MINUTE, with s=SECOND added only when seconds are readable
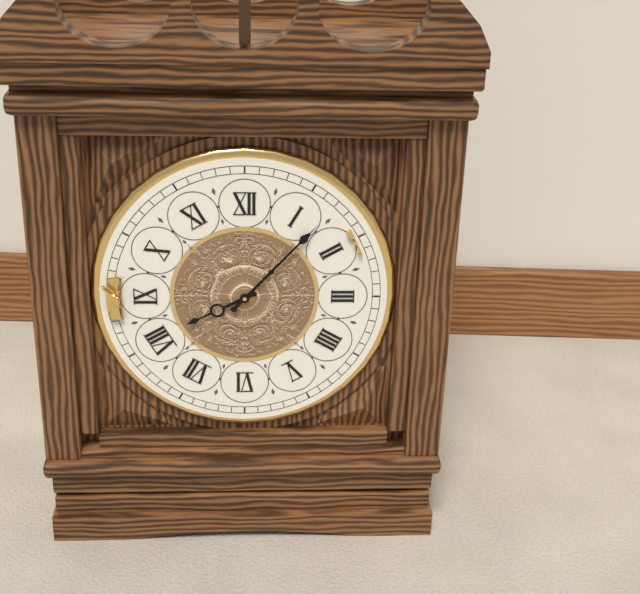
h=8 m=7
